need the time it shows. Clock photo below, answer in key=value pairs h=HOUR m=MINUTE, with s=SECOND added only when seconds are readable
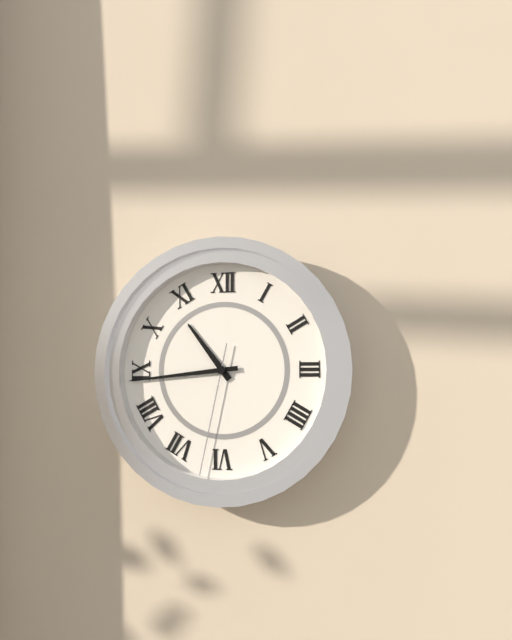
h=10 m=44 s=32
